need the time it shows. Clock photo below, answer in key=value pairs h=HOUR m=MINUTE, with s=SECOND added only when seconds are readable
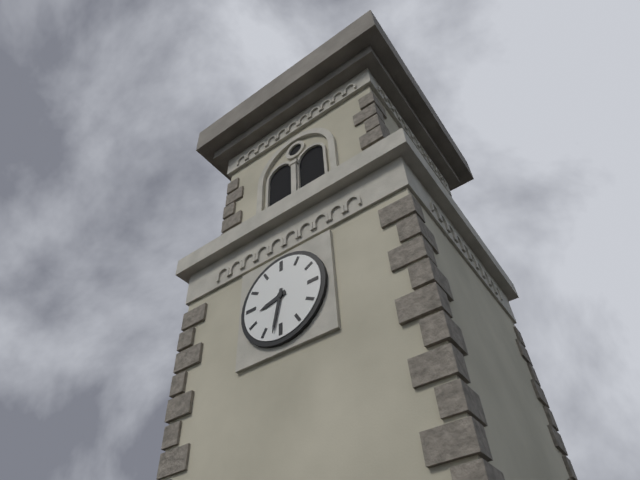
h=8 m=32
